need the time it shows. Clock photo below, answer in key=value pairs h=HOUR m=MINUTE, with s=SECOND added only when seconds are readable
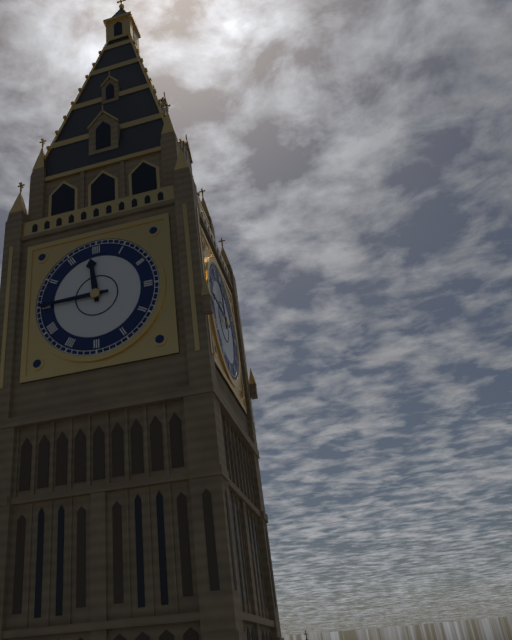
h=11 m=45
